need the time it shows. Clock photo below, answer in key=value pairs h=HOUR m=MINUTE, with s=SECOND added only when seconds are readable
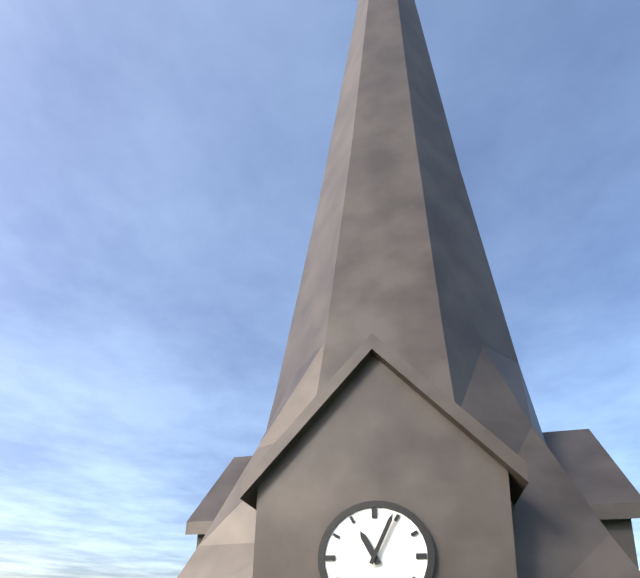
h=11 m=4
